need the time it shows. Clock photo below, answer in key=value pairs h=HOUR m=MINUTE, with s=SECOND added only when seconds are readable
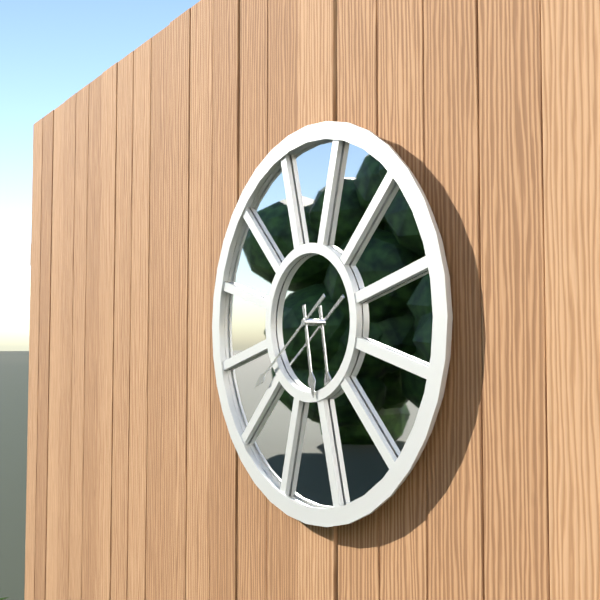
h=5 m=39
